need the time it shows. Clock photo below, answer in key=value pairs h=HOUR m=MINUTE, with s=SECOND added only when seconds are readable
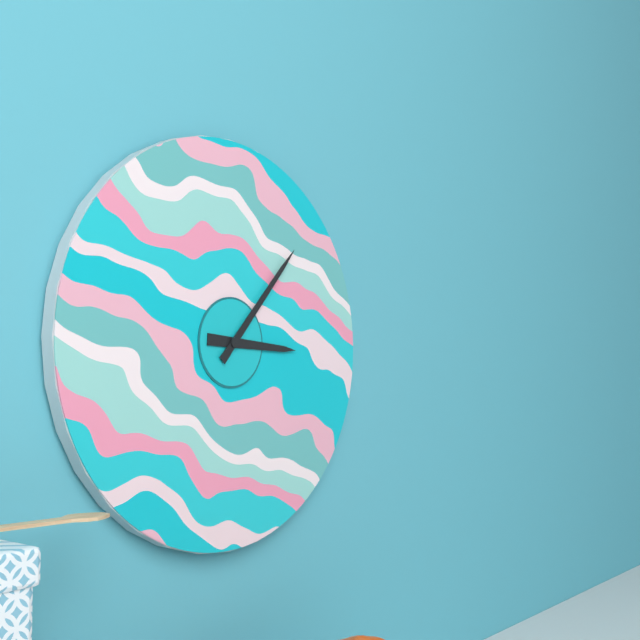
h=3 m=7
